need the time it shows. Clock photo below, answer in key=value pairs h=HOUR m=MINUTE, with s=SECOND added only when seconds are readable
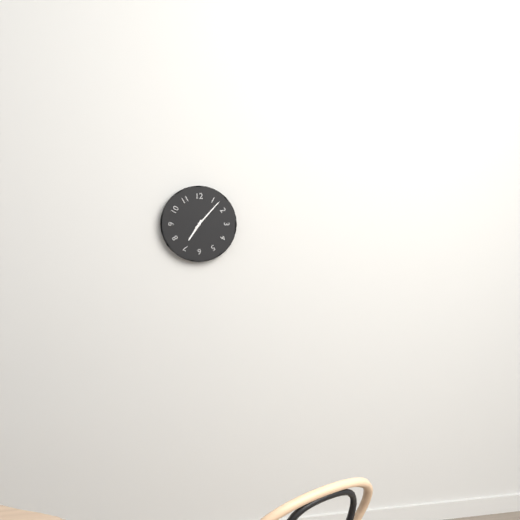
h=7 m=7
